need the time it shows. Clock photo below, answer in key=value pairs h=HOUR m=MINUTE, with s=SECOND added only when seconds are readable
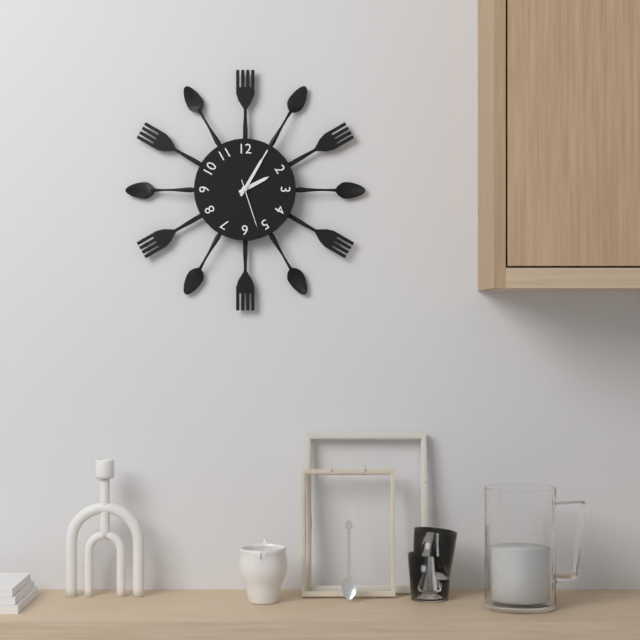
h=2 m=5 s=27
